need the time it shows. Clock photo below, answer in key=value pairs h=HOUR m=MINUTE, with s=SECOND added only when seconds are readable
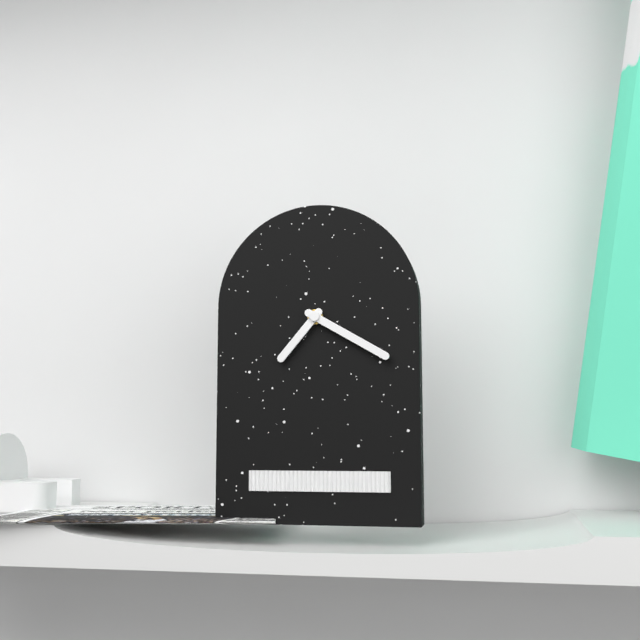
h=7 m=20
